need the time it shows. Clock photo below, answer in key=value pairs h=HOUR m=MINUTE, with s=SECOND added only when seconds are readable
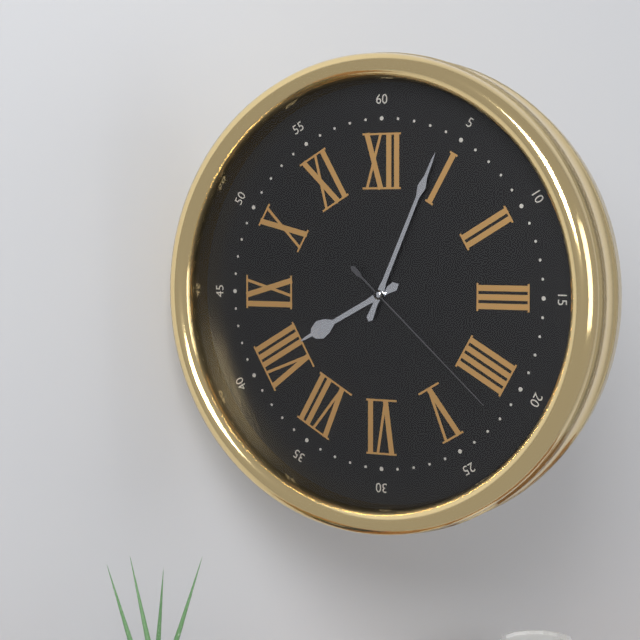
h=8 m=4 s=22
